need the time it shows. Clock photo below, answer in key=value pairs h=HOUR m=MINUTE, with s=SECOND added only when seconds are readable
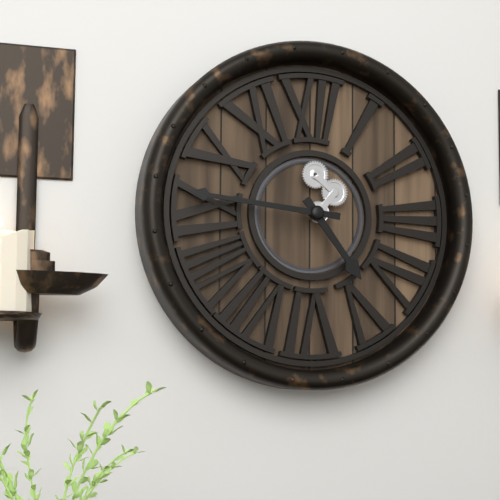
h=4 m=46
